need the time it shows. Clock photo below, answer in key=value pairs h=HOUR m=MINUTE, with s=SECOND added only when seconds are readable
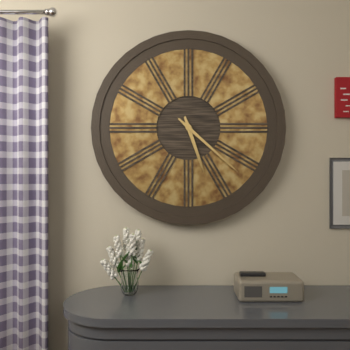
h=5 m=22
